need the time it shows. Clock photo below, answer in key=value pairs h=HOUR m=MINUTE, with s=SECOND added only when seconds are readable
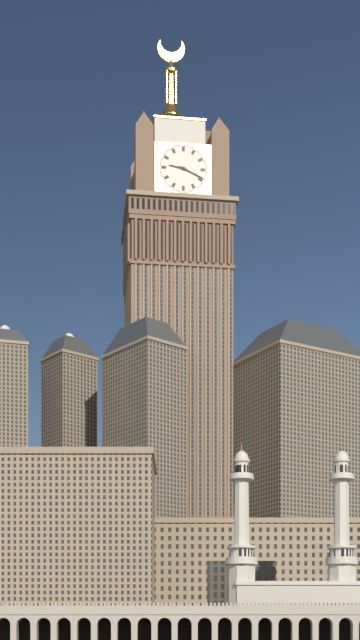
h=9 m=19
